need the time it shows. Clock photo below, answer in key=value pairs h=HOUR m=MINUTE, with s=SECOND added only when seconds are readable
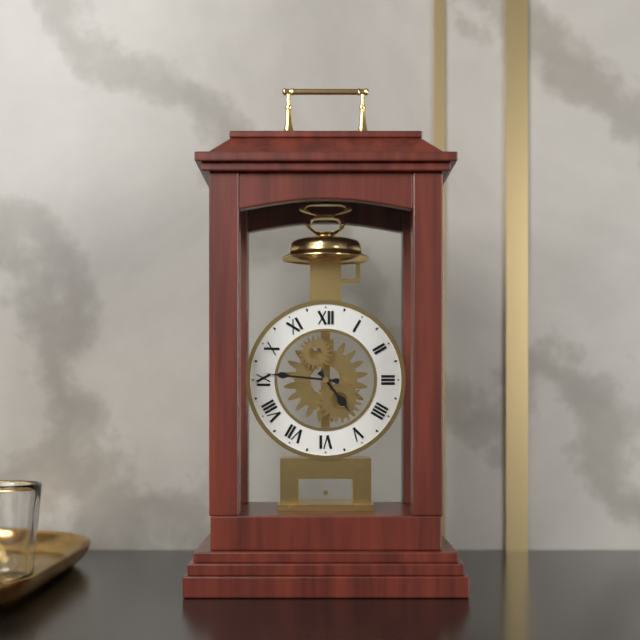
h=4 m=46
